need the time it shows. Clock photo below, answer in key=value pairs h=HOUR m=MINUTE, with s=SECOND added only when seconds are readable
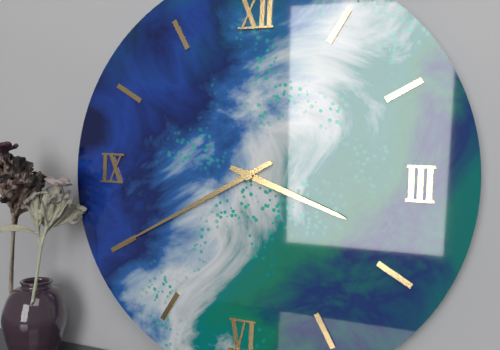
h=3 m=40
